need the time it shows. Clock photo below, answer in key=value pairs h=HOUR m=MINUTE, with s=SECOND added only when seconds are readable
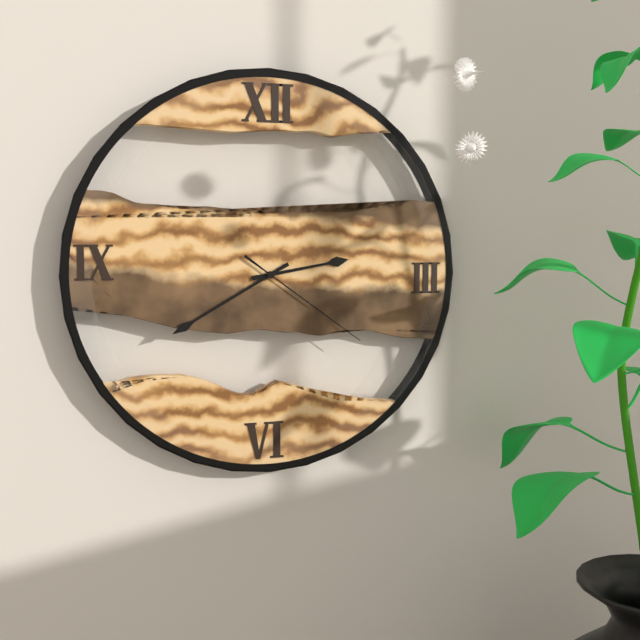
h=2 m=40 s=21
